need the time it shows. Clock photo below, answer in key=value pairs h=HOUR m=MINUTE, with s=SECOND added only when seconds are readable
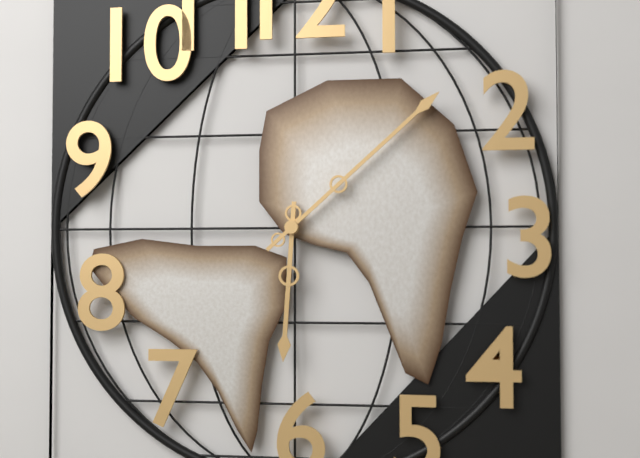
h=6 m=8
